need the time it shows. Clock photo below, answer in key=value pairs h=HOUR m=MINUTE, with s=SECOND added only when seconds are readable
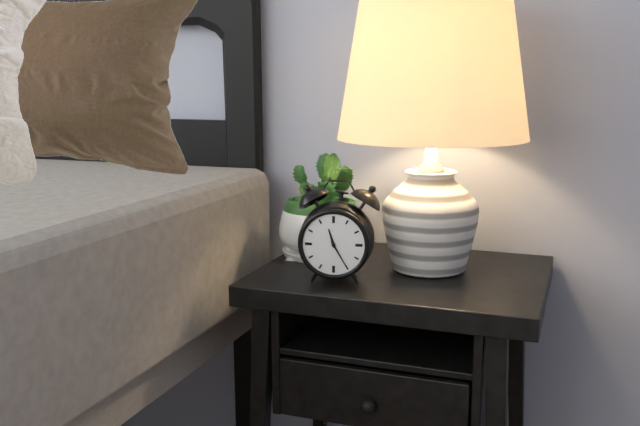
h=11 m=25
